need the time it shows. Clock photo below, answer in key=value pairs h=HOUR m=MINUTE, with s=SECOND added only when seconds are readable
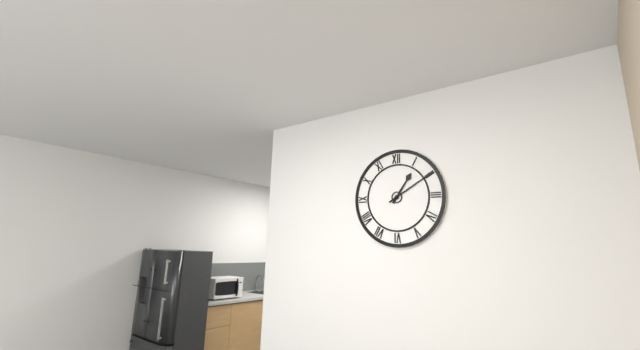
h=1 m=10
